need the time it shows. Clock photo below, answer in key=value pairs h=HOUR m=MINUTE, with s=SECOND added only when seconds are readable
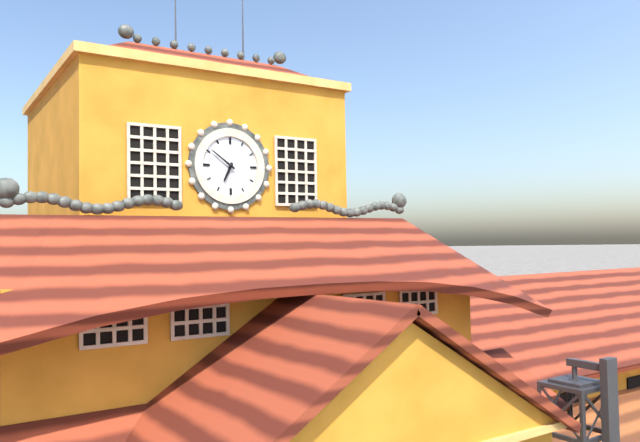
h=6 m=51
